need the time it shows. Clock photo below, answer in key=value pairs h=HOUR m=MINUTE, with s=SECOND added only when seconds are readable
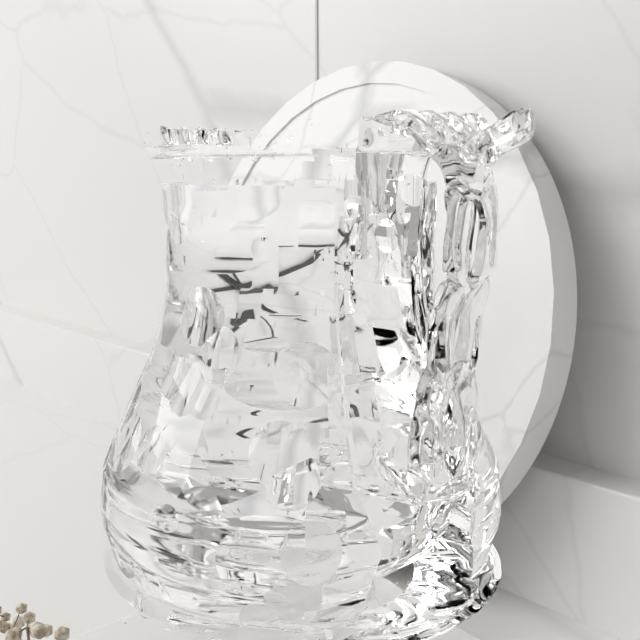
h=6 m=49 s=31
